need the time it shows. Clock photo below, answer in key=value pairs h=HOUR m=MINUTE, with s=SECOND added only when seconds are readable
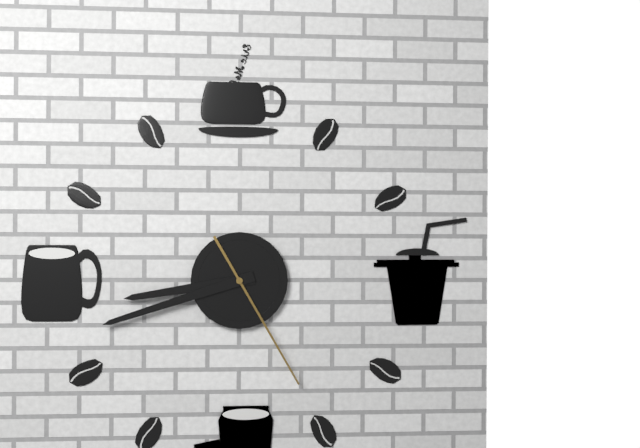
h=8 m=42 s=25
